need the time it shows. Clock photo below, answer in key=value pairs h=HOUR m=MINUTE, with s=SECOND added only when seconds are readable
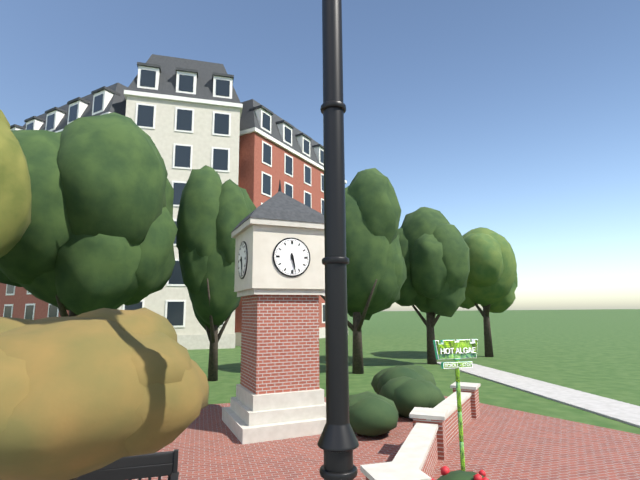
h=5 m=28
